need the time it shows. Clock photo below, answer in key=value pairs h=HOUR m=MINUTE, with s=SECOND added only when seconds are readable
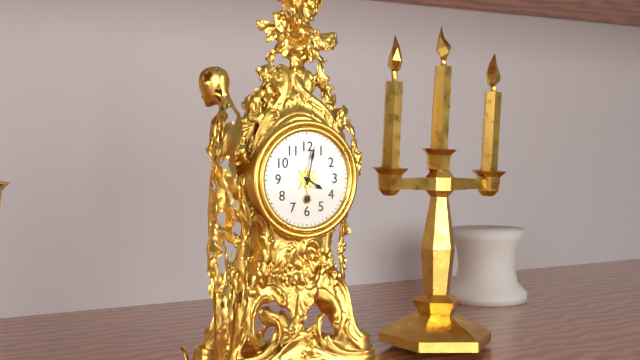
h=4 m=2
